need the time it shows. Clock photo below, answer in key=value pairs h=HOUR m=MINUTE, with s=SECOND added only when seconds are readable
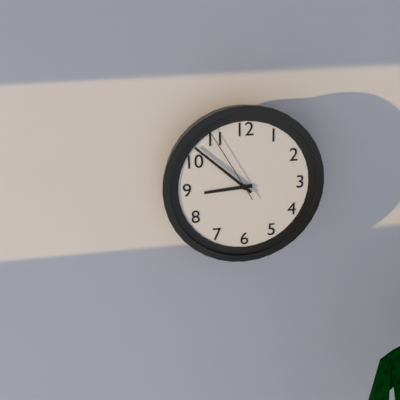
h=8 m=52 s=55
